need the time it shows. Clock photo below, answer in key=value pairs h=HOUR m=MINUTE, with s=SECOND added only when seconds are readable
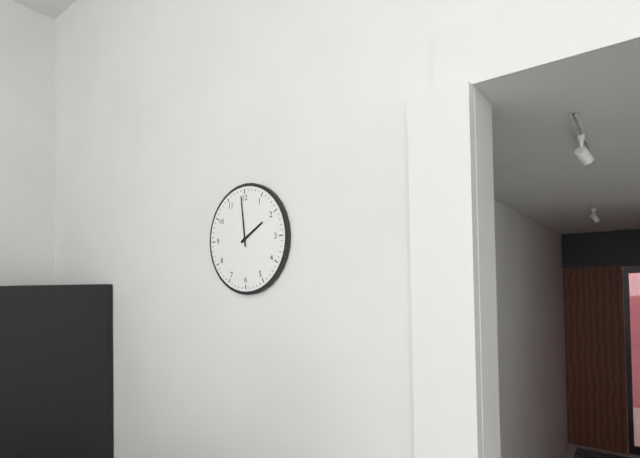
h=1 m=59
